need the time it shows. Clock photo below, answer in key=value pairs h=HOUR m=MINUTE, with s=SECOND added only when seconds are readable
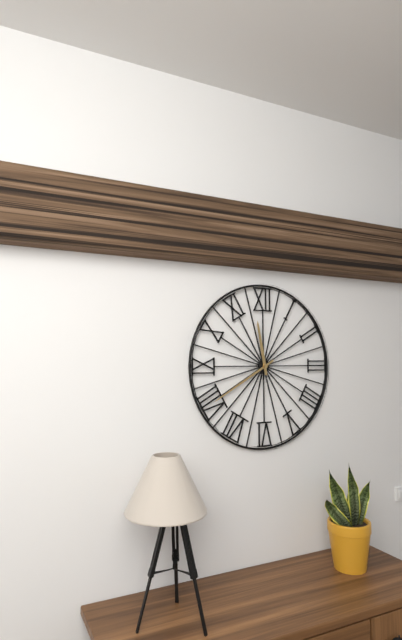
h=11 m=40
